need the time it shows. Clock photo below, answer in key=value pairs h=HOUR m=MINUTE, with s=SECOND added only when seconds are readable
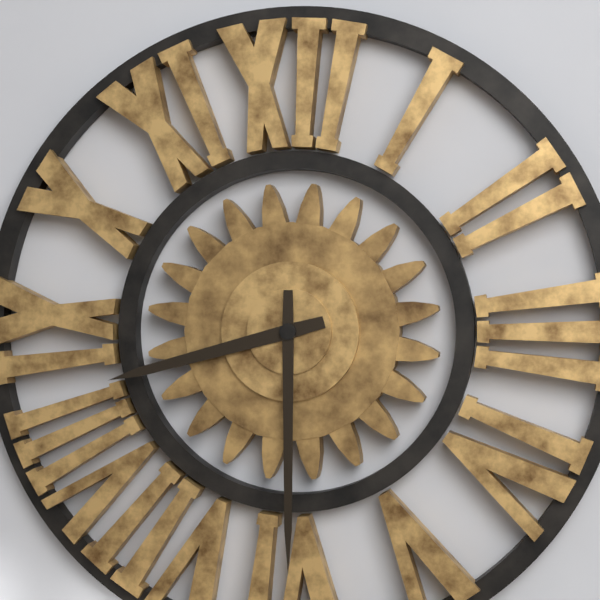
h=8 m=30
